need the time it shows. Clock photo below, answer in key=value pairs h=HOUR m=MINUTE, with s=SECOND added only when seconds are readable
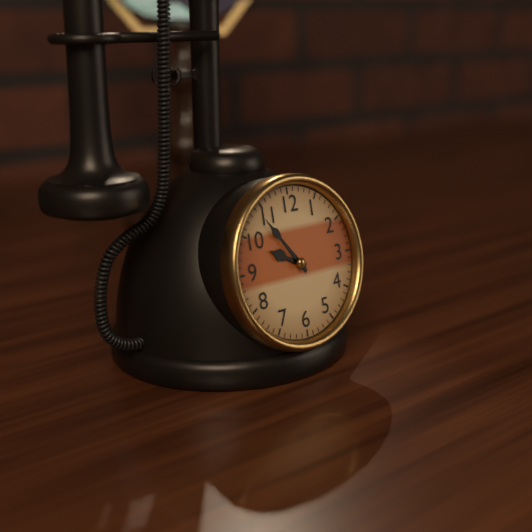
h=9 m=54
